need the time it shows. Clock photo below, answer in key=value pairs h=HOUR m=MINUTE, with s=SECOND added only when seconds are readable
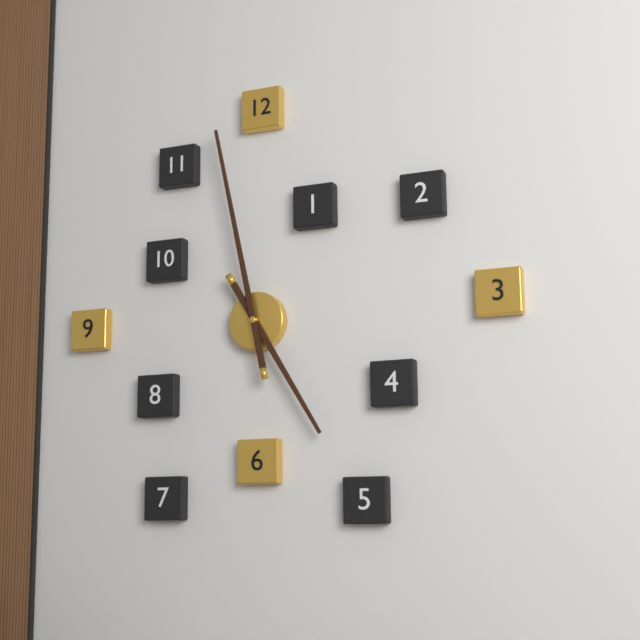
h=4 m=58
